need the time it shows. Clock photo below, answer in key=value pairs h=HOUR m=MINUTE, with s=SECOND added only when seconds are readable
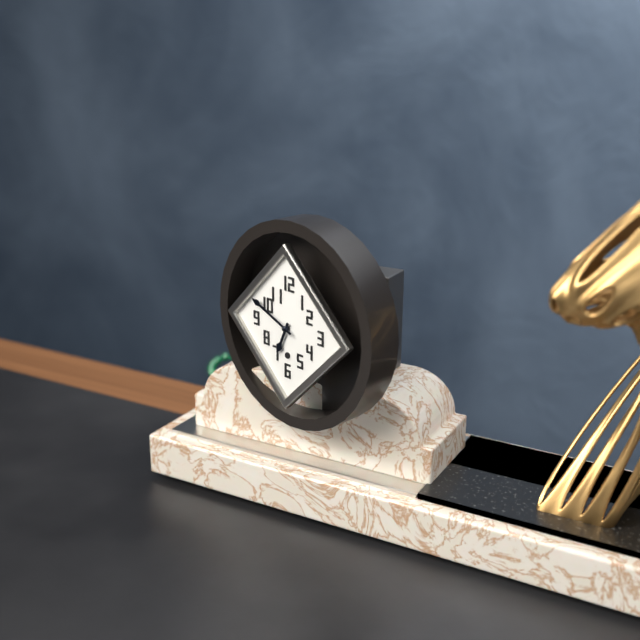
h=6 m=49
